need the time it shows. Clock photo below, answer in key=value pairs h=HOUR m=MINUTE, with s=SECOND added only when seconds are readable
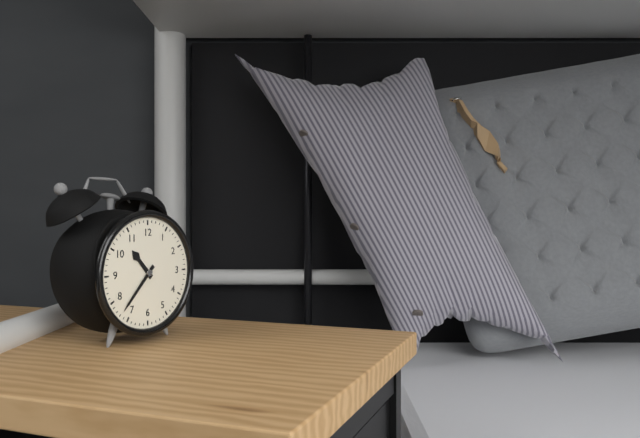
h=10 m=37
